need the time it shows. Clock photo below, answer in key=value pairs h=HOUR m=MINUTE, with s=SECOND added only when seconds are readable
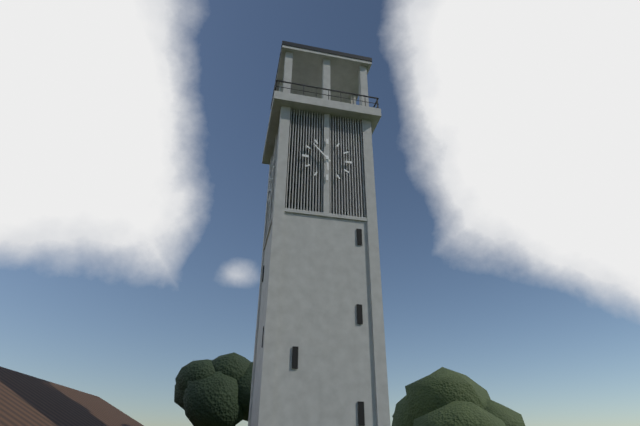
h=5 m=53
